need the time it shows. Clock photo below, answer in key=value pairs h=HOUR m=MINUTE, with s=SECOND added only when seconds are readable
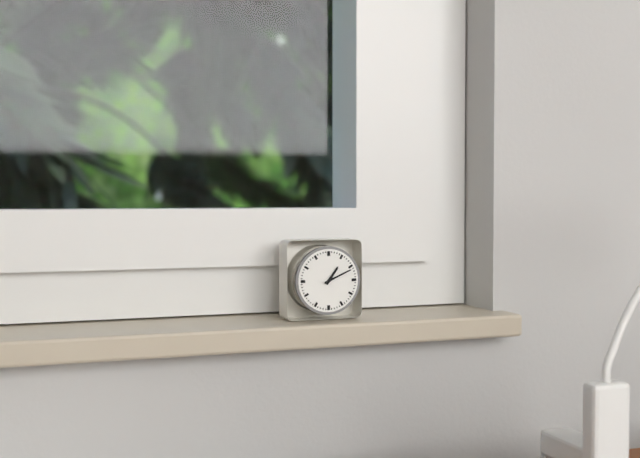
h=1 m=11
